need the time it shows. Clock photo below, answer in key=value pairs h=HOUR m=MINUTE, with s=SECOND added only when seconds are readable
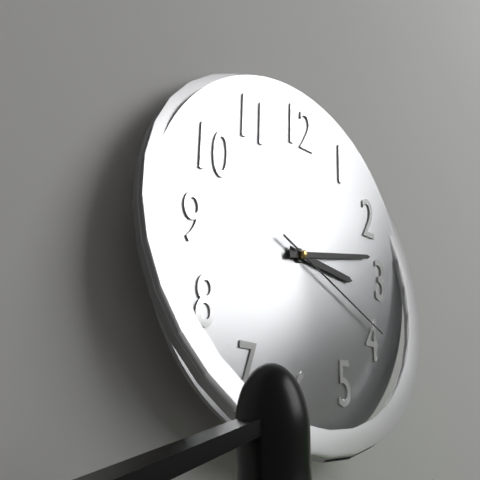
h=3 m=13 s=19
